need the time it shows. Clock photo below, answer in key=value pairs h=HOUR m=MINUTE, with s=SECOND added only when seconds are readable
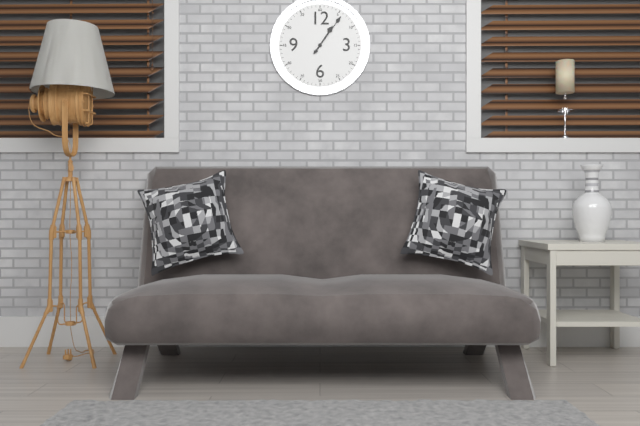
h=1 m=6
